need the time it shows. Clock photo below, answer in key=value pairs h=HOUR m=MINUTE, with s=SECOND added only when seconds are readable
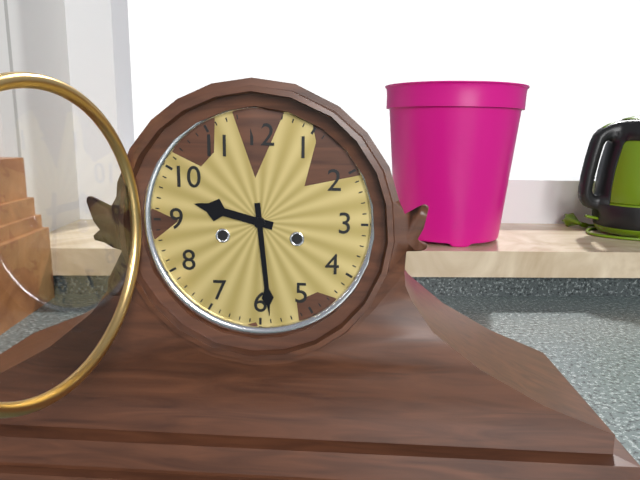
h=9 m=29
